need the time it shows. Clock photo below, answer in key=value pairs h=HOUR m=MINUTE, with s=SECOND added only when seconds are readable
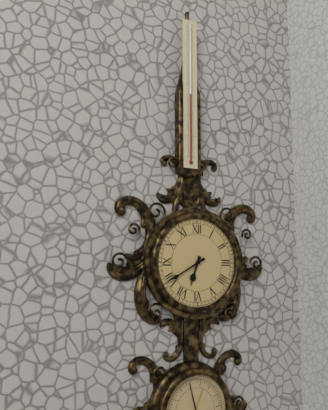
h=6 m=40
